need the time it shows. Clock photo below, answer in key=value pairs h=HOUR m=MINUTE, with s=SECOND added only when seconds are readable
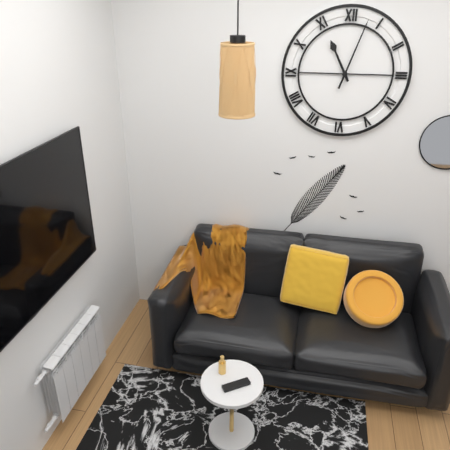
h=11 m=3
